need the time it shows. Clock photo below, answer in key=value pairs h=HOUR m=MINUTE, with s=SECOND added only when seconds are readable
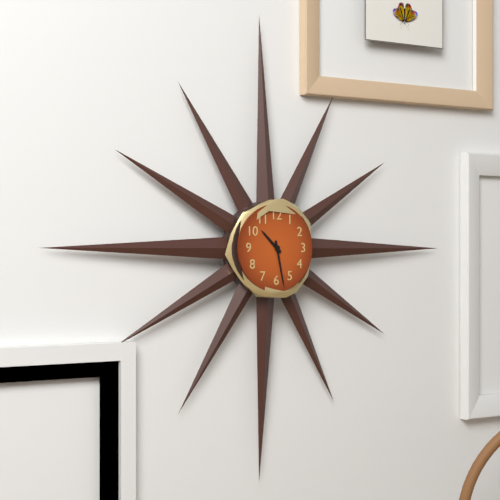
h=10 m=28
